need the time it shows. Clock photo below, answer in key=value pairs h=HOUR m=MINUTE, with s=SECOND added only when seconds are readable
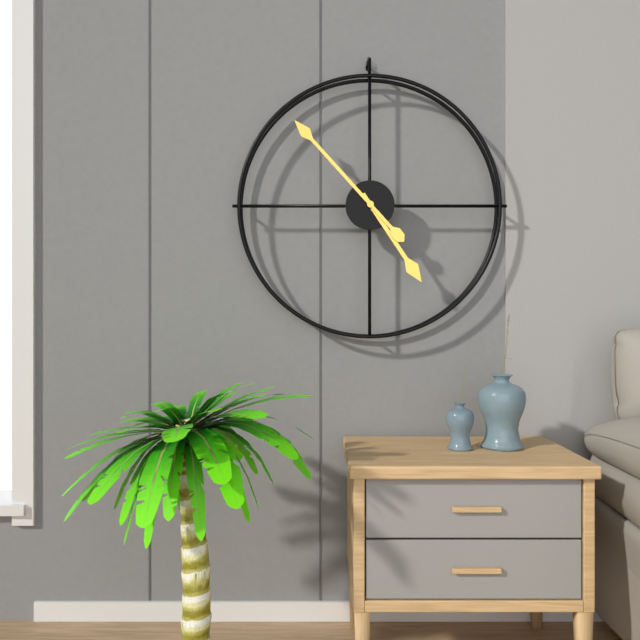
h=4 m=53
